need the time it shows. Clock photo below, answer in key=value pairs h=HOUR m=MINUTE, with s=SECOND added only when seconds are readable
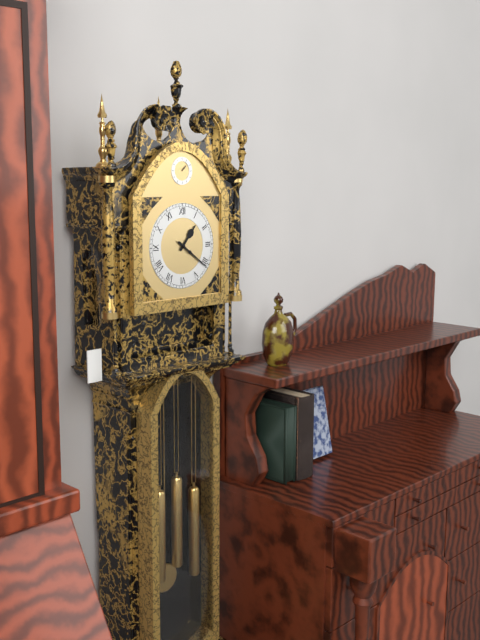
h=1 m=21
